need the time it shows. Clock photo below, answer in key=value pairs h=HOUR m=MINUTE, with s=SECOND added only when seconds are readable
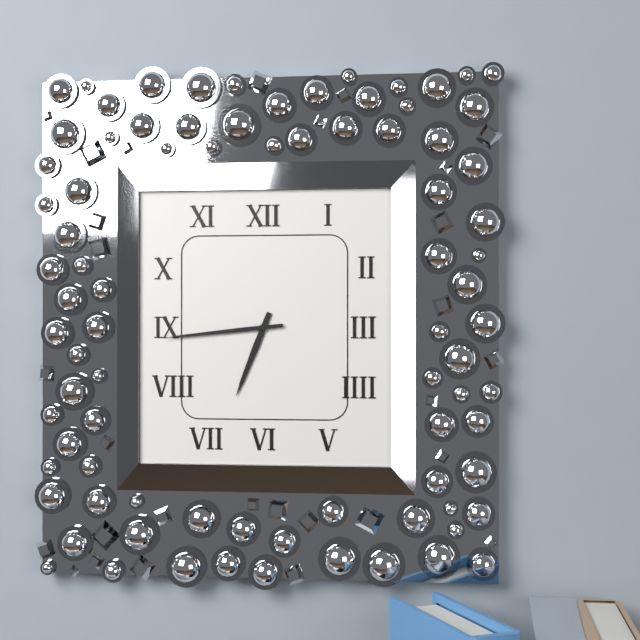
h=6 m=44
